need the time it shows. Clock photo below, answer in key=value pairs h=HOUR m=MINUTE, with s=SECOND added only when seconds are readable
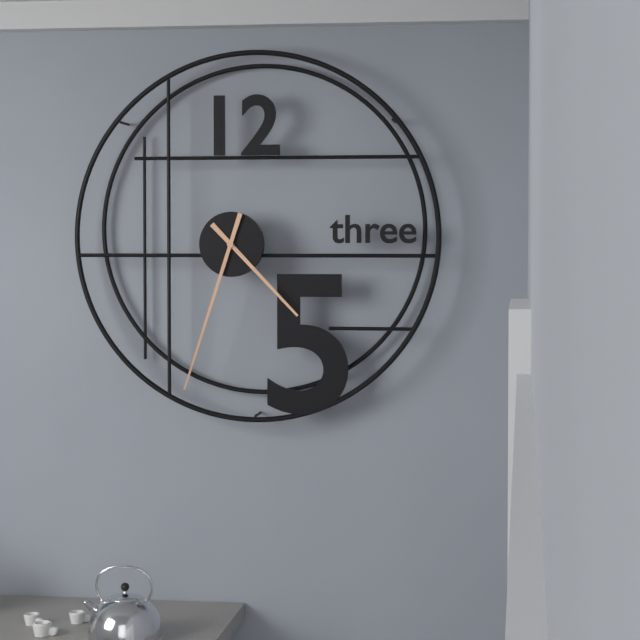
h=4 m=33
